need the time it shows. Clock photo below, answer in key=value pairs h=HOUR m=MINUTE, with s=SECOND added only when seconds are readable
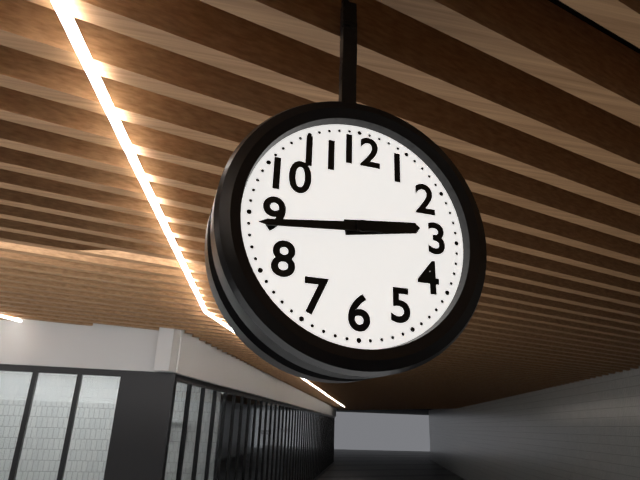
h=2 m=44
